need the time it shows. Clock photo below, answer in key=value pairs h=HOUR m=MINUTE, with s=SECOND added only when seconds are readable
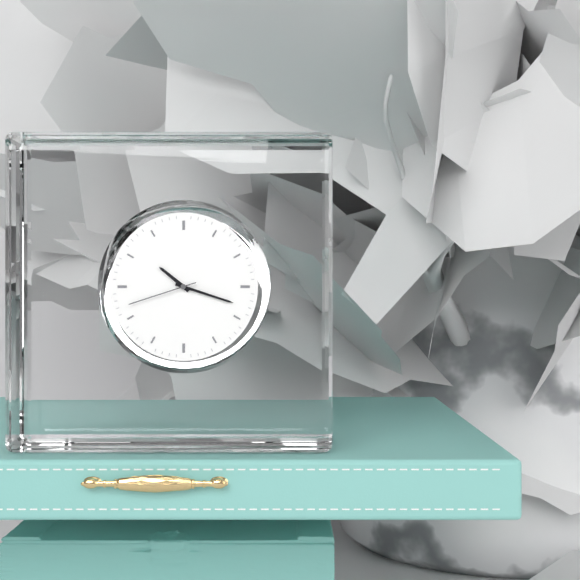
h=10 m=18 s=42
